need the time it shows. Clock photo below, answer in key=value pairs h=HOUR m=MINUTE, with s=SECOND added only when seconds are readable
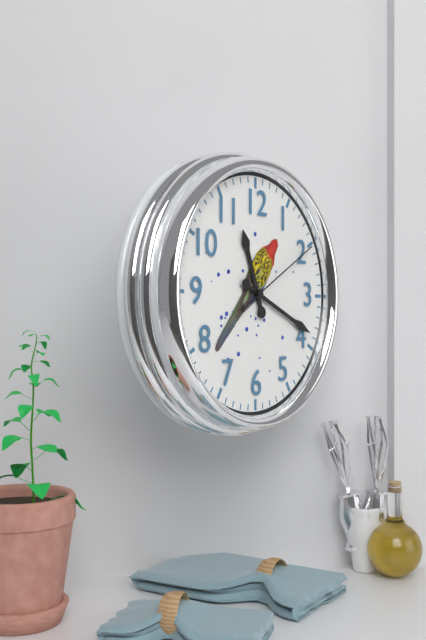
h=11 m=19 s=10
